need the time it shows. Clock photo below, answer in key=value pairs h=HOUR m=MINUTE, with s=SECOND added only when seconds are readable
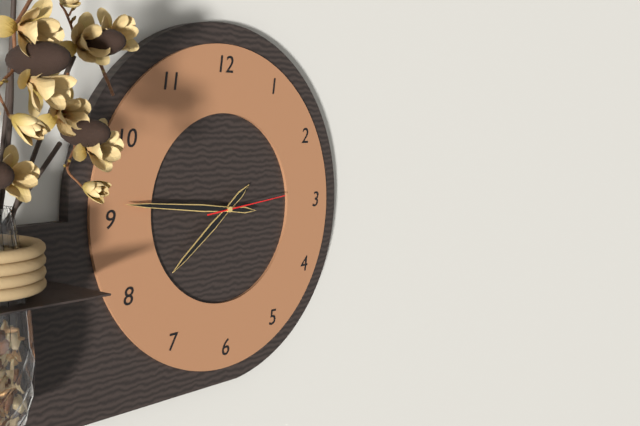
h=7 m=46 s=14
